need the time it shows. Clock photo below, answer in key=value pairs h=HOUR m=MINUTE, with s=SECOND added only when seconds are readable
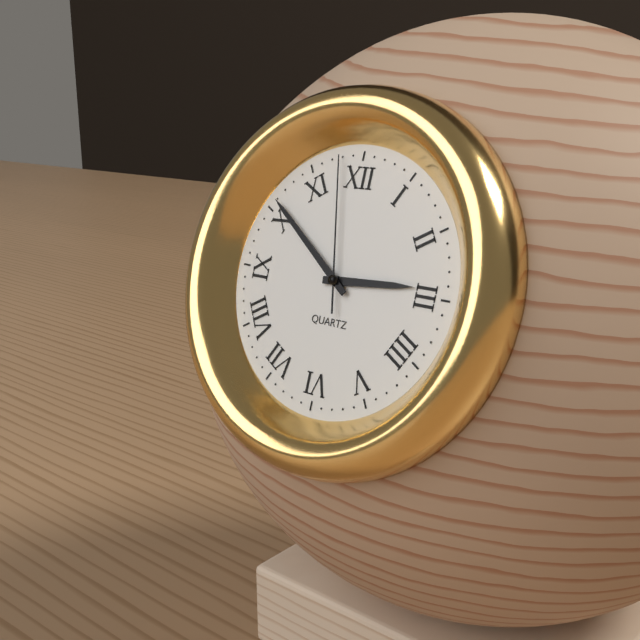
h=2 m=51 s=58
